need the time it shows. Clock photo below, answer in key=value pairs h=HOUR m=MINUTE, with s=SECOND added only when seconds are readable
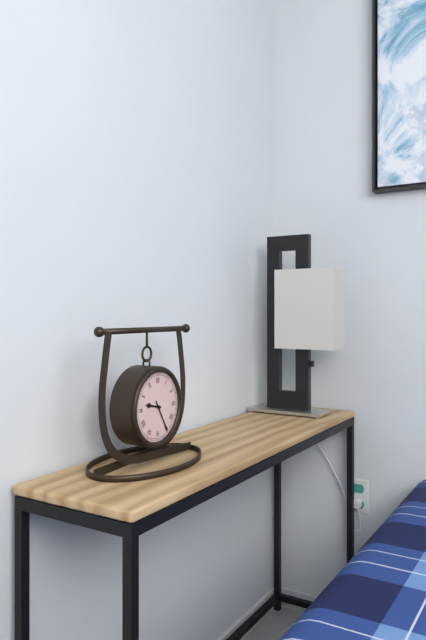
h=9 m=25
